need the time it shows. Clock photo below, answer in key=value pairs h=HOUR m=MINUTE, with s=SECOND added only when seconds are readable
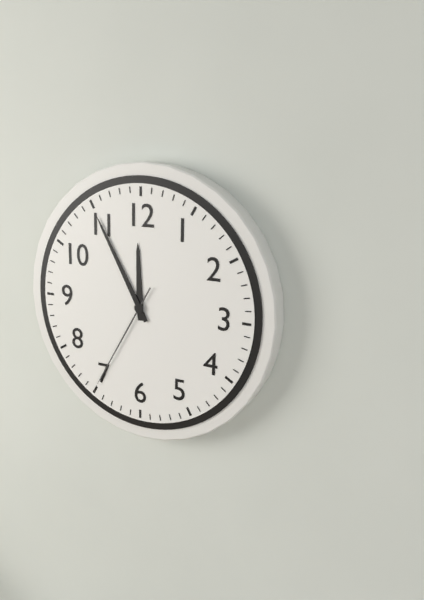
h=11 m=55 s=35
